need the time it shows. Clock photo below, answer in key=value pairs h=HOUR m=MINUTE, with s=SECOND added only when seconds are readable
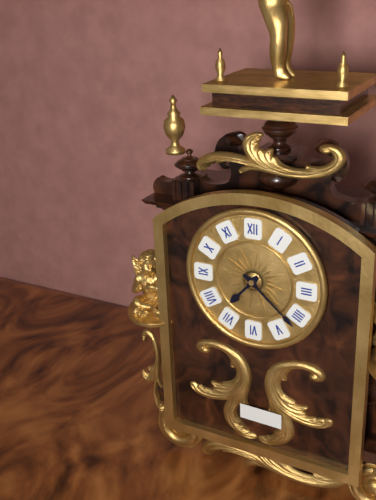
h=7 m=22
